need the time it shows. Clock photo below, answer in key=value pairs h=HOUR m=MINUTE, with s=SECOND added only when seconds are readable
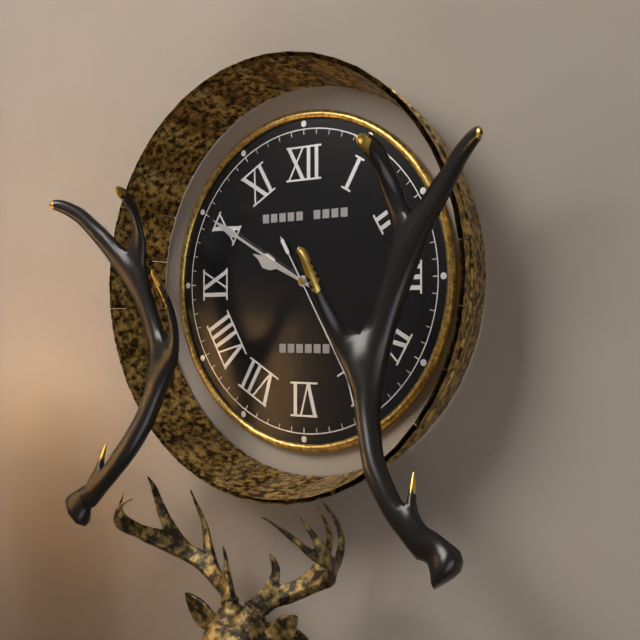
h=9 m=50 s=25
